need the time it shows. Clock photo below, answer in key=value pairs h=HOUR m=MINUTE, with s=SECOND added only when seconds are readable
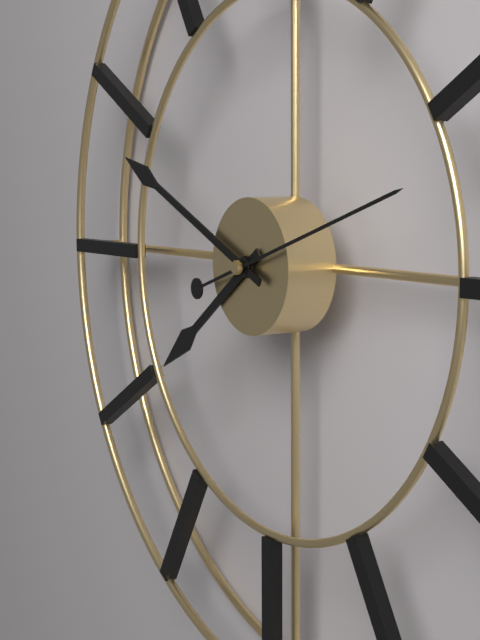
h=7 m=49 s=12
